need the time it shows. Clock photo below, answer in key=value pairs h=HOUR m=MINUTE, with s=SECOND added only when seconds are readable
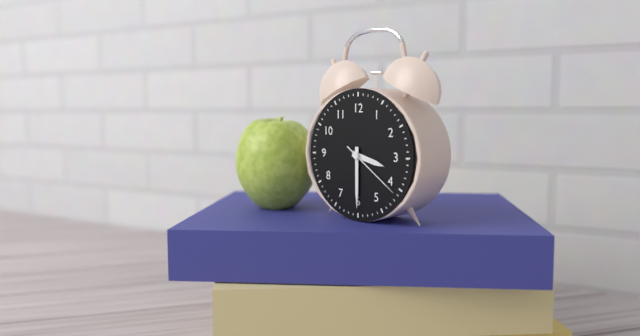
h=3 m=30 s=21
